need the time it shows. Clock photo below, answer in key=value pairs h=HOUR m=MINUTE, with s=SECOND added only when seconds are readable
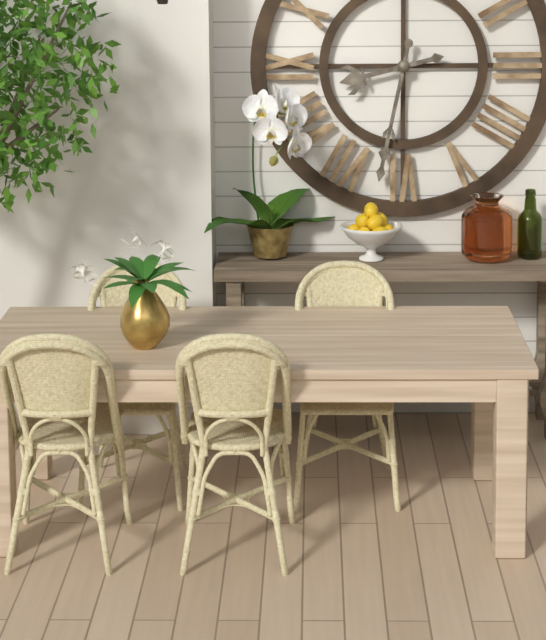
h=8 m=32
